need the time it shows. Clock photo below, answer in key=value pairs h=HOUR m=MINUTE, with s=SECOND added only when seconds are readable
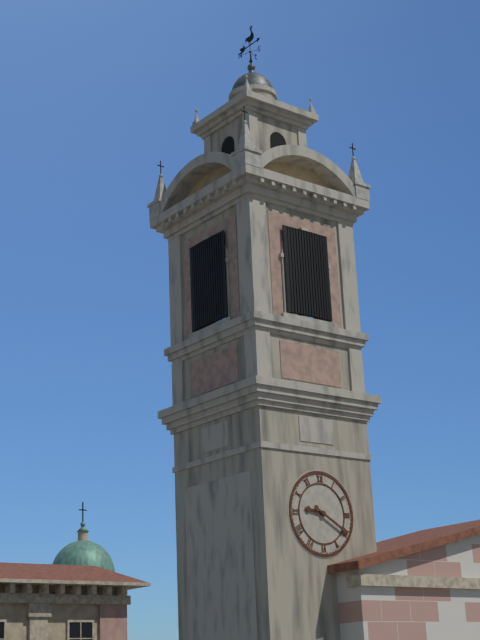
h=9 m=20
